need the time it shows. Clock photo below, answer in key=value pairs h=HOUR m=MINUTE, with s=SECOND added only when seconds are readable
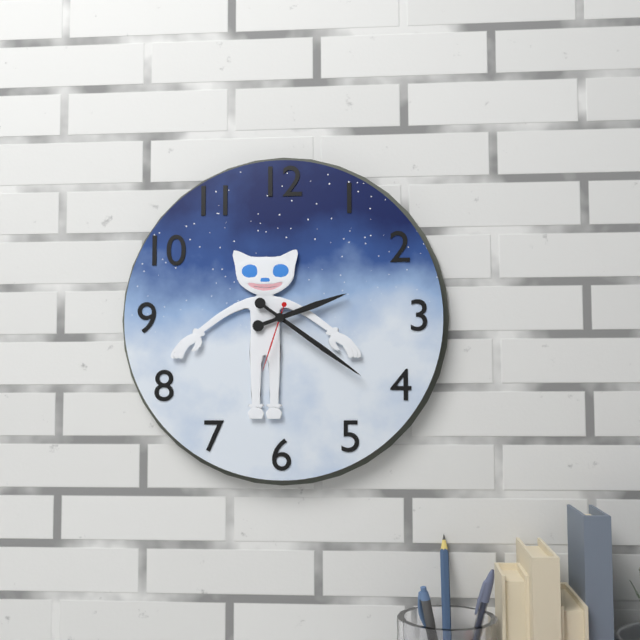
h=2 m=21 s=33
